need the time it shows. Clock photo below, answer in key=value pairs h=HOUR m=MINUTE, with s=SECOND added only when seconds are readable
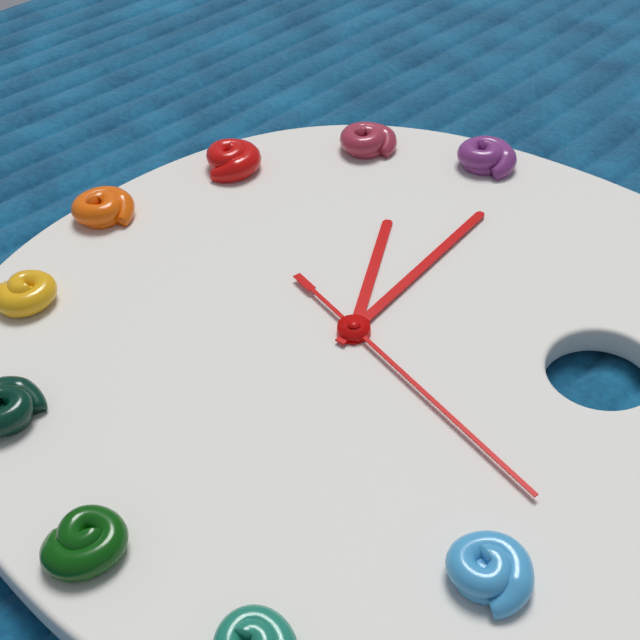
h=10 m=59 s=17
